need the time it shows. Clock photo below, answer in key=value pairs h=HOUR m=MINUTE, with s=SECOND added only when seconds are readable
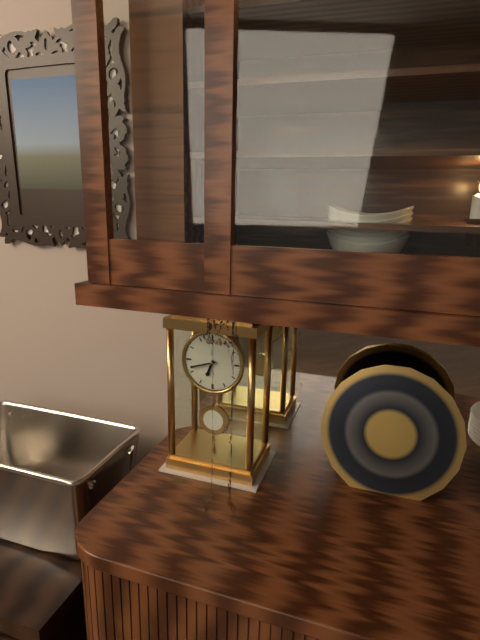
h=6 m=42
